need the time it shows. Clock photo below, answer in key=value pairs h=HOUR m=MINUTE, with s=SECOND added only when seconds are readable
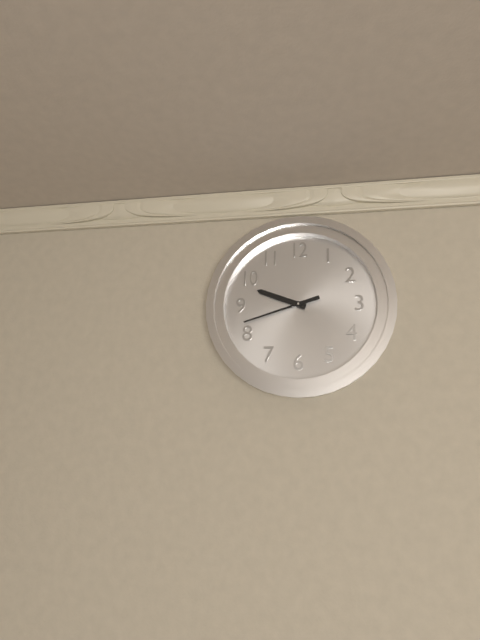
h=9 m=42
